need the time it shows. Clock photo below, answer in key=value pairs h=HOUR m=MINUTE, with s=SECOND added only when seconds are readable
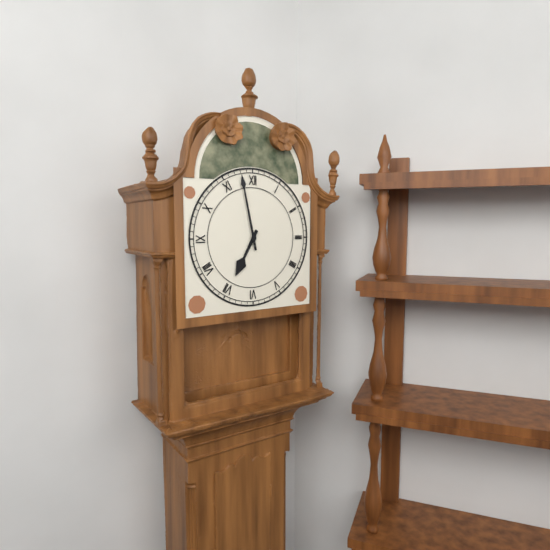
h=6 m=58
